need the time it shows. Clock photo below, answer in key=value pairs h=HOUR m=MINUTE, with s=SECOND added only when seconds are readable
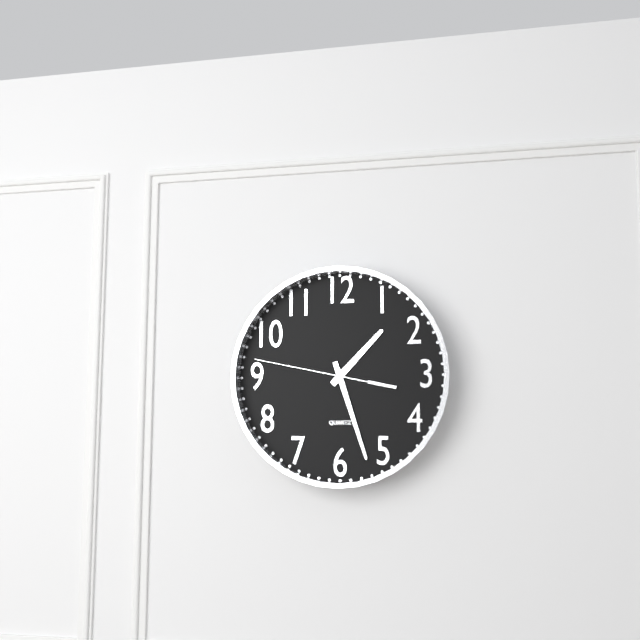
h=1 m=27 s=47
